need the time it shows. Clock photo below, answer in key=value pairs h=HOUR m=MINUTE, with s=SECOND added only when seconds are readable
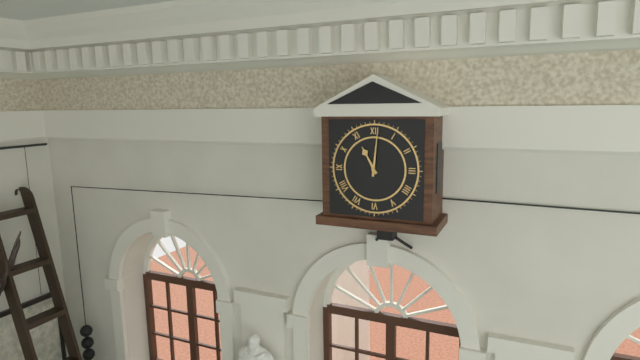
h=11 m=1
